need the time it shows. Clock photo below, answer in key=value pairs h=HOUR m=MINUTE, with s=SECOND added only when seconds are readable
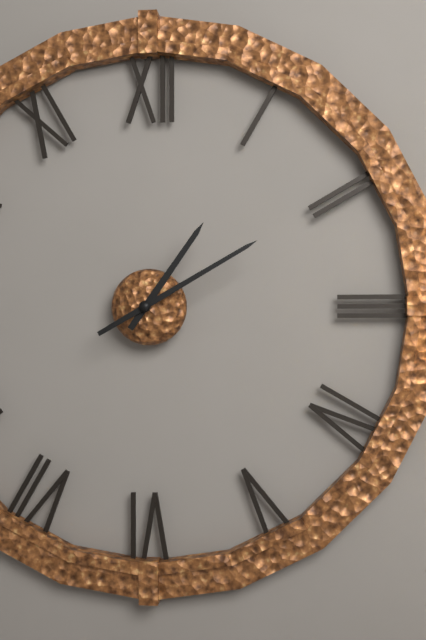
h=1 m=10
